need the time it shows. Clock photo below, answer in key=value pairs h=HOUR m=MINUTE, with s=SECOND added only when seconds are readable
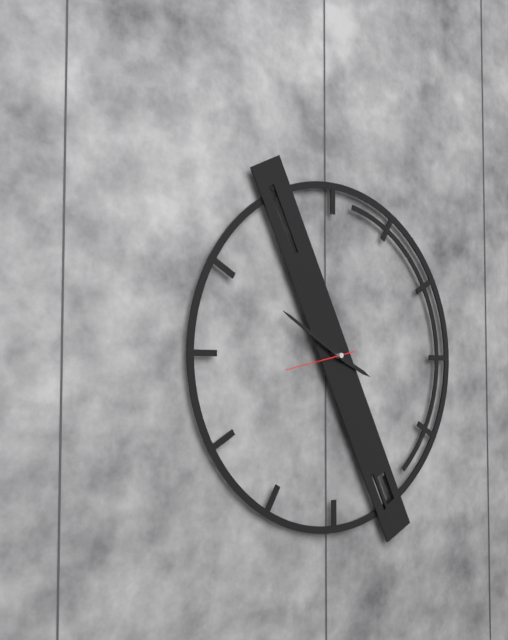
h=3 m=50 s=43
